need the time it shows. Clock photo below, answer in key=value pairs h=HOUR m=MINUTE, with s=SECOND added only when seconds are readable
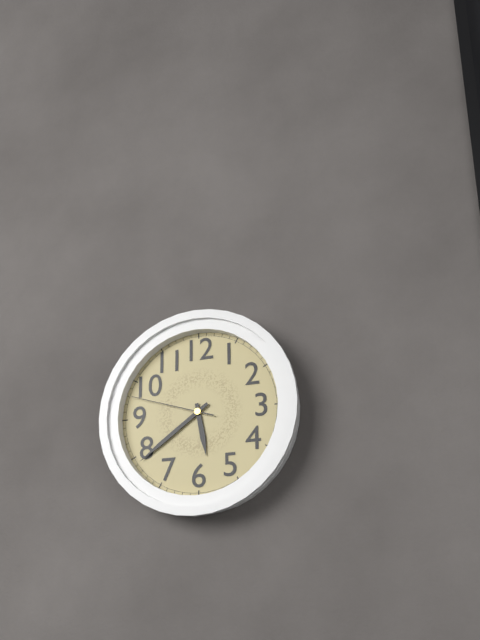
h=5 m=39 s=48
